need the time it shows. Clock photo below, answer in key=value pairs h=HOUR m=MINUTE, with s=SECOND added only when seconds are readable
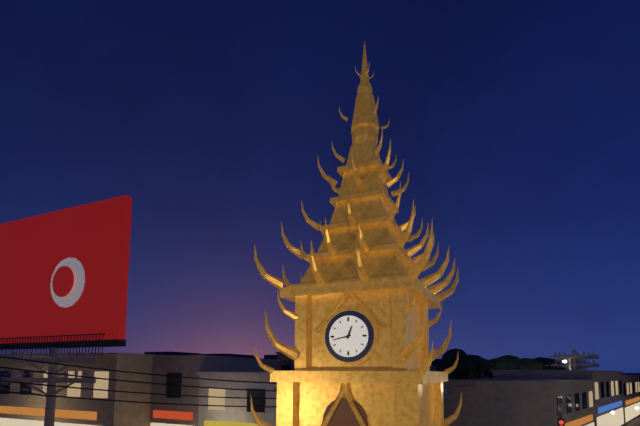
h=12 m=43
